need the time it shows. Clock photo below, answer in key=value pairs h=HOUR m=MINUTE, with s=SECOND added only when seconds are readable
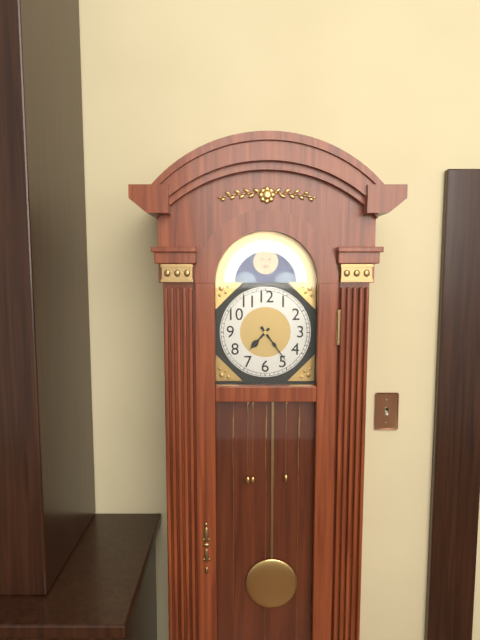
h=7 m=24
